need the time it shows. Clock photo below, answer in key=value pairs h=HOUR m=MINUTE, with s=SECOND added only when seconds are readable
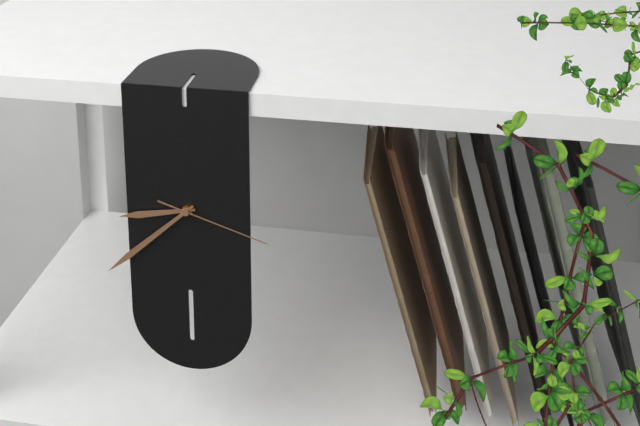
h=8 m=38 s=18
